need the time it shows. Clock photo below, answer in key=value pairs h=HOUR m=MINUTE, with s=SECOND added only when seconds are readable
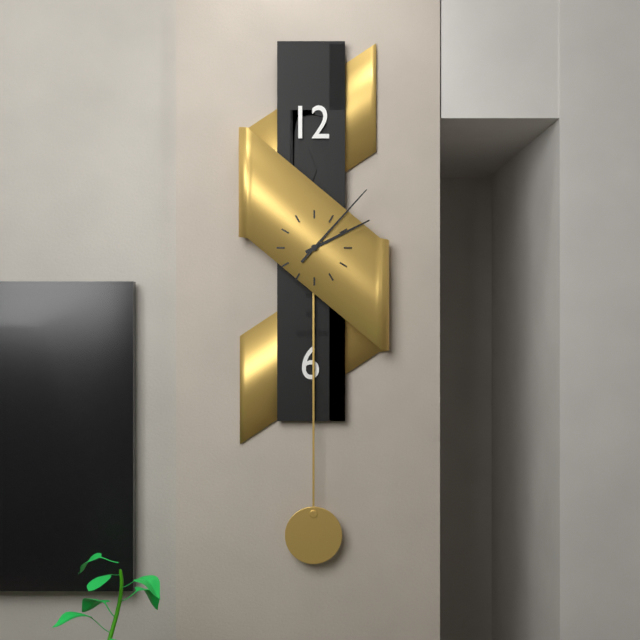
h=2 m=7
